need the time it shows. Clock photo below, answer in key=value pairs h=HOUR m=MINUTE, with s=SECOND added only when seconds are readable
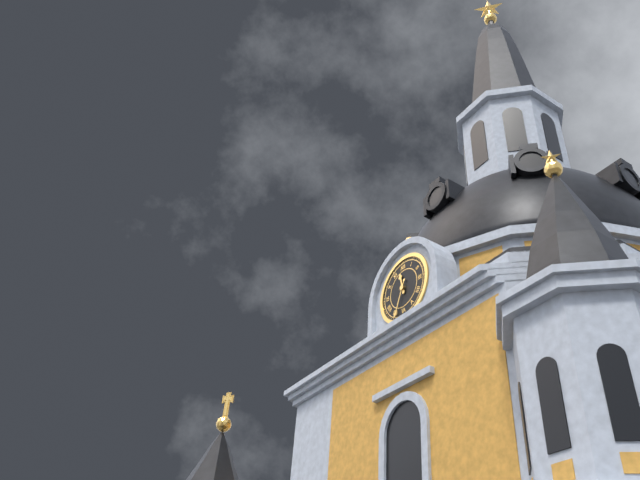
h=11 m=34
